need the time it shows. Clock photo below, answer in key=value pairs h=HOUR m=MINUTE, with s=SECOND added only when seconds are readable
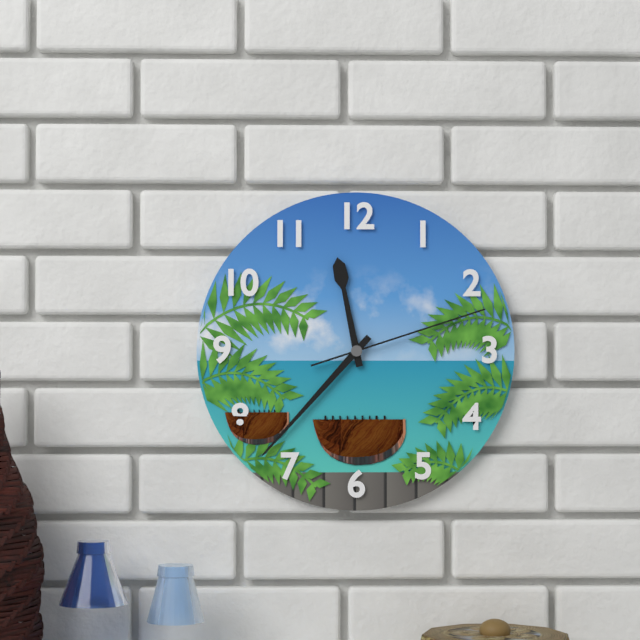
h=11 m=37 s=12
